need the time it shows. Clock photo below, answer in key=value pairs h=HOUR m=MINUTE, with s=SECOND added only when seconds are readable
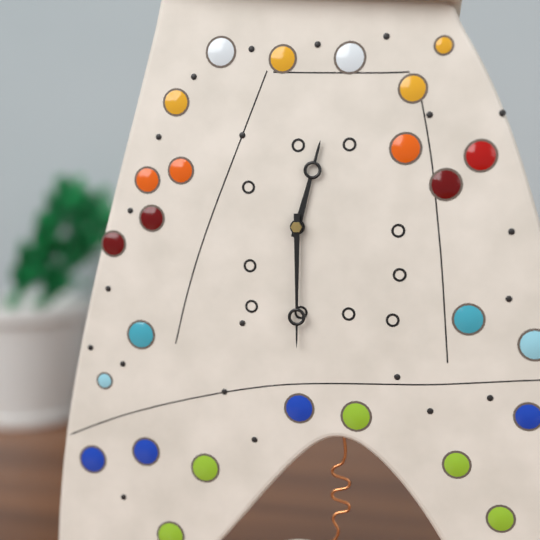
h=12 m=30
